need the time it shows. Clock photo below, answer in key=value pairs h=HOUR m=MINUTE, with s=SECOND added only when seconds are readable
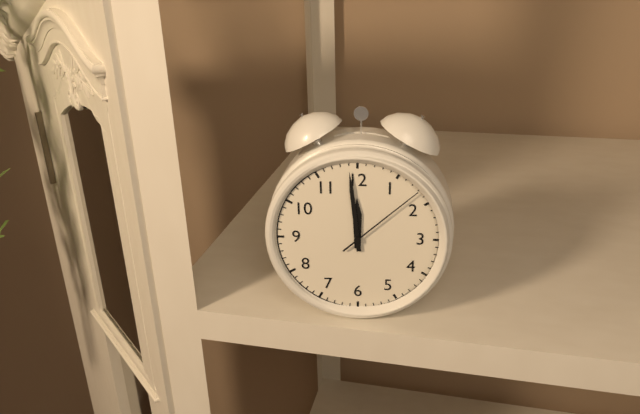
h=11 m=59 s=8
